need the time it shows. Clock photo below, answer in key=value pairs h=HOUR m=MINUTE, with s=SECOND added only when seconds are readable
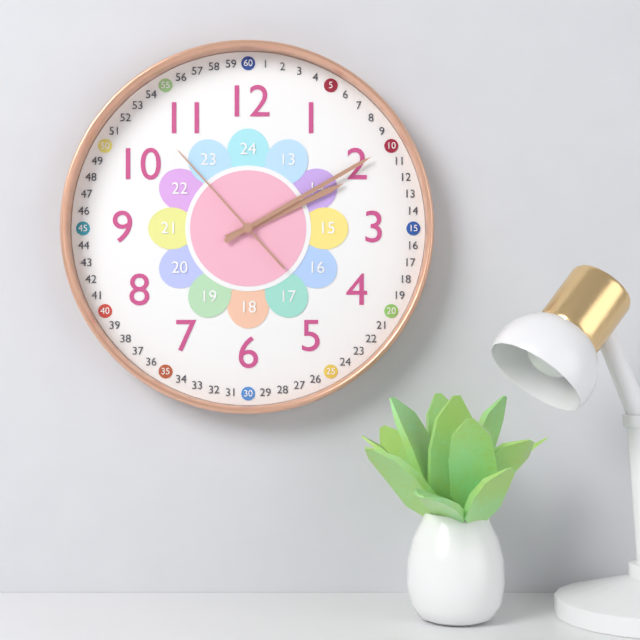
h=2 m=10 s=53
